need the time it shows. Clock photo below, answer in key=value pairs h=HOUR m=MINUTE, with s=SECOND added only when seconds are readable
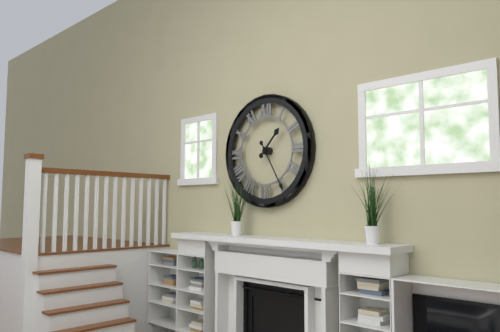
h=1 m=25
